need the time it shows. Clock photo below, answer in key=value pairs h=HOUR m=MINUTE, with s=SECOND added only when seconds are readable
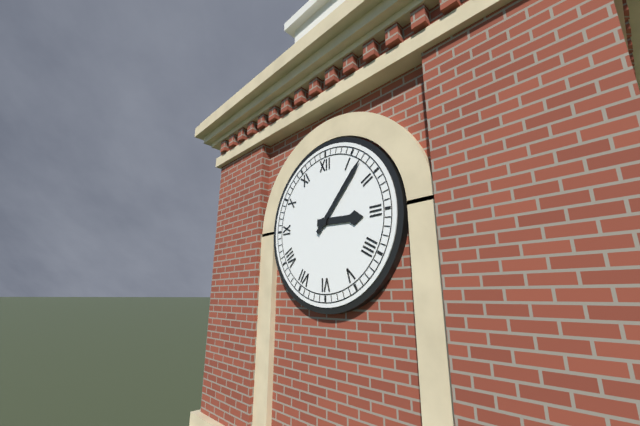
h=3 m=7
